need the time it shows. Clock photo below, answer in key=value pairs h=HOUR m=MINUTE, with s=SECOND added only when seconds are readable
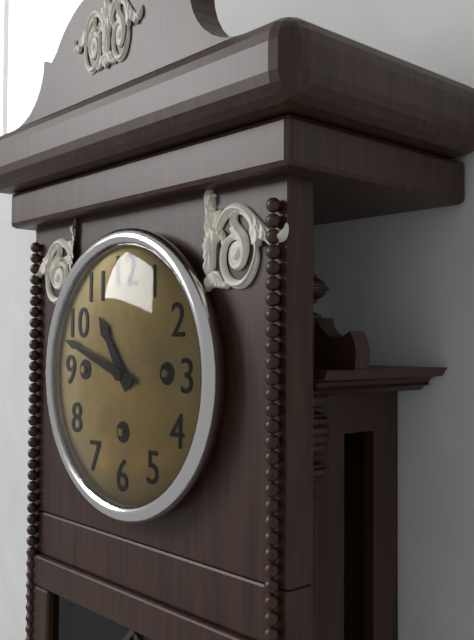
h=10 m=48
